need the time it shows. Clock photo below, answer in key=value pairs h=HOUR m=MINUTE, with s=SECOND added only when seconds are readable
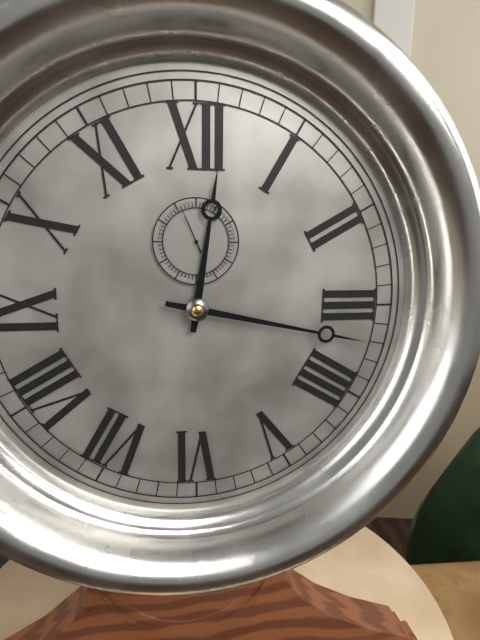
h=12 m=17 s=56
